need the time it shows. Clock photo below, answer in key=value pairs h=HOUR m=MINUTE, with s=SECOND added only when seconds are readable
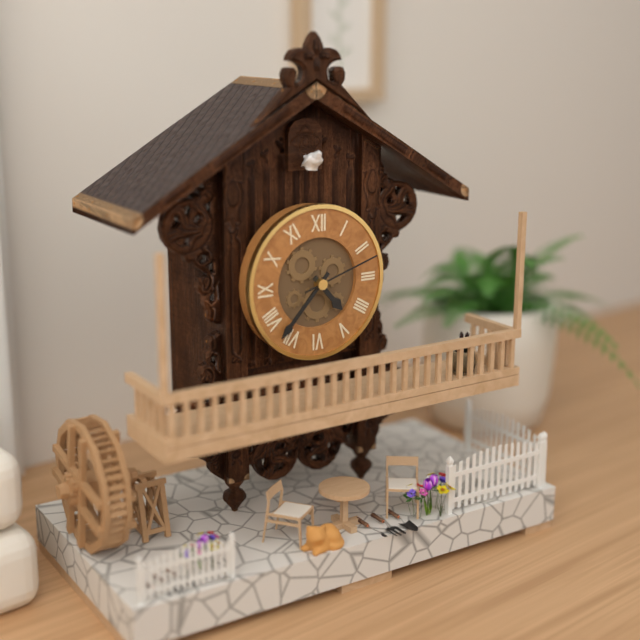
h=4 m=37 s=12
